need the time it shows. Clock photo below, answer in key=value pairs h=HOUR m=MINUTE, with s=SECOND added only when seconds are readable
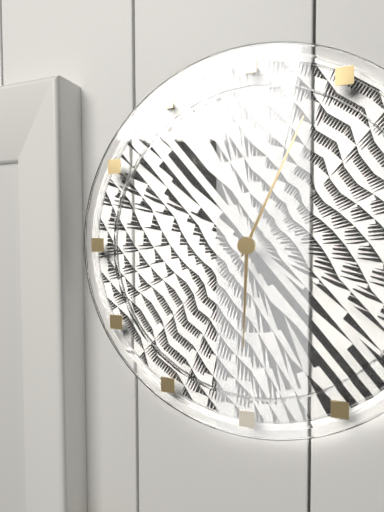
h=6 m=4
